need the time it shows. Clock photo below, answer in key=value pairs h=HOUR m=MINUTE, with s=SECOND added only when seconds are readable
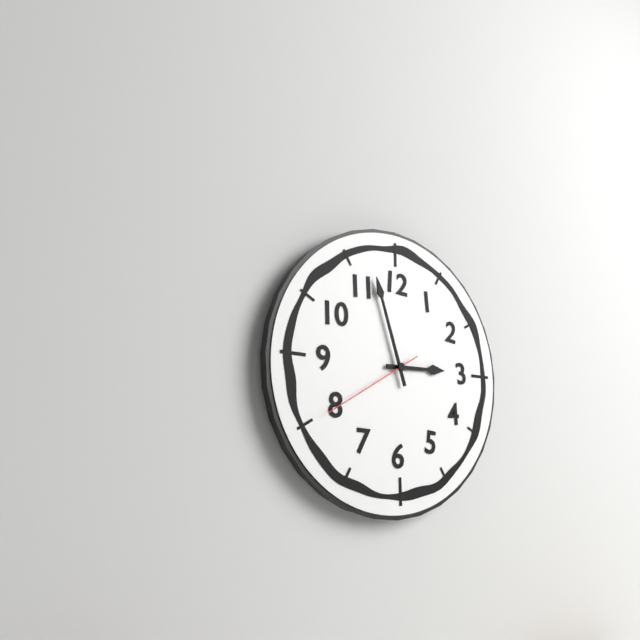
h=2 m=57 s=40
